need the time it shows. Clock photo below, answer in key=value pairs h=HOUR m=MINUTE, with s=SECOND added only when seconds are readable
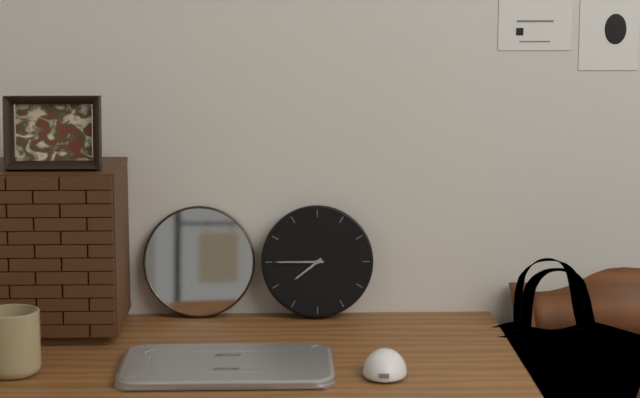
h=7 m=45
